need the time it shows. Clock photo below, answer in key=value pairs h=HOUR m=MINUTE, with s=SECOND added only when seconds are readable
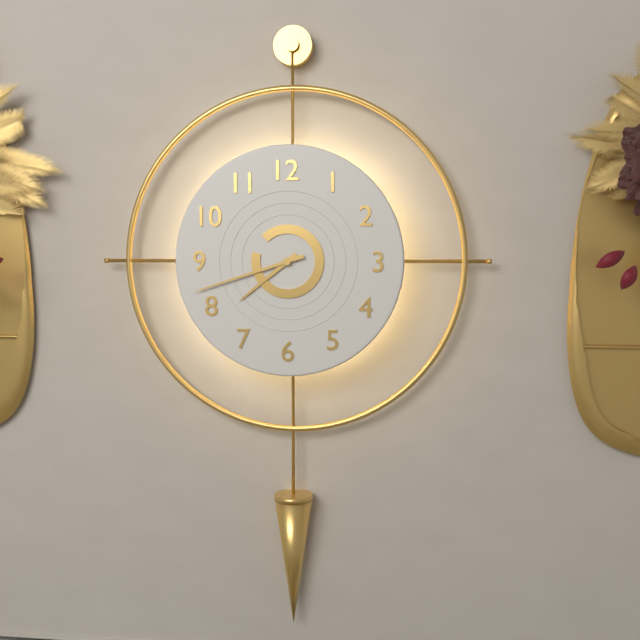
h=7 m=42
